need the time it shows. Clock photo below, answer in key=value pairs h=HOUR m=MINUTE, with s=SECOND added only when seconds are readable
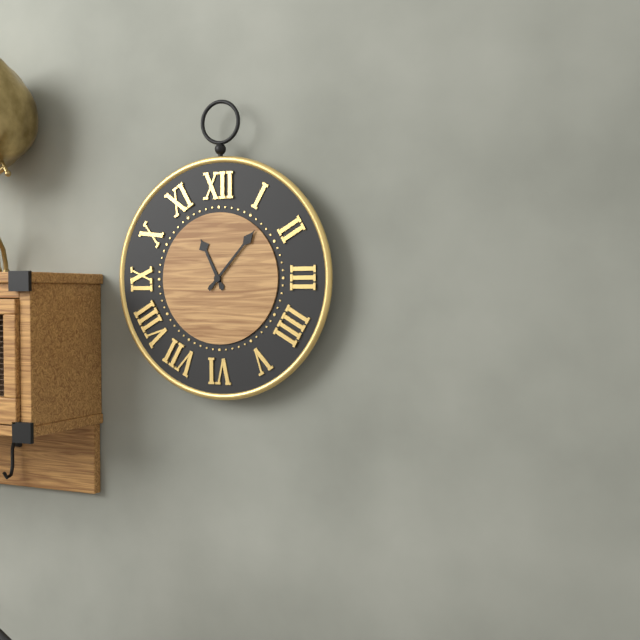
h=11 m=7
